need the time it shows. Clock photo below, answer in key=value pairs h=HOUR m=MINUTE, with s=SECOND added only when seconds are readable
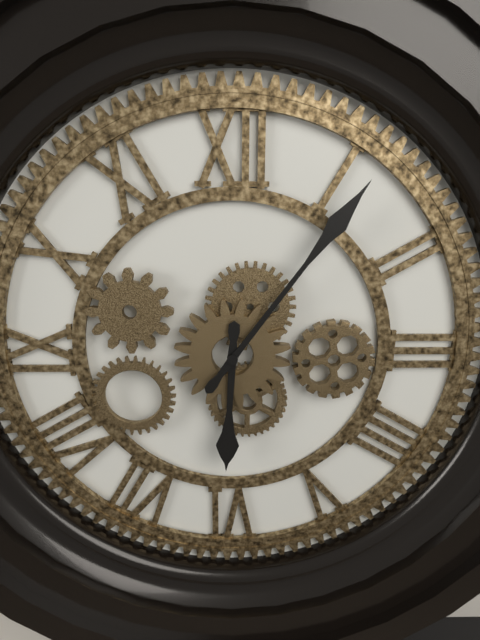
h=6 m=6
